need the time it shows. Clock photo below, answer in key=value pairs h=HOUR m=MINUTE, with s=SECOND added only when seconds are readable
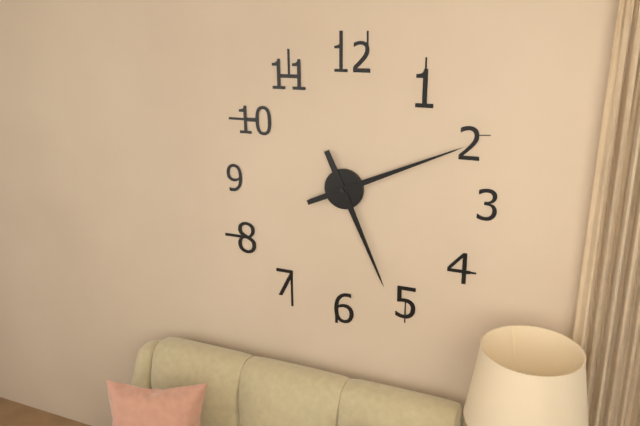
h=5 m=11
